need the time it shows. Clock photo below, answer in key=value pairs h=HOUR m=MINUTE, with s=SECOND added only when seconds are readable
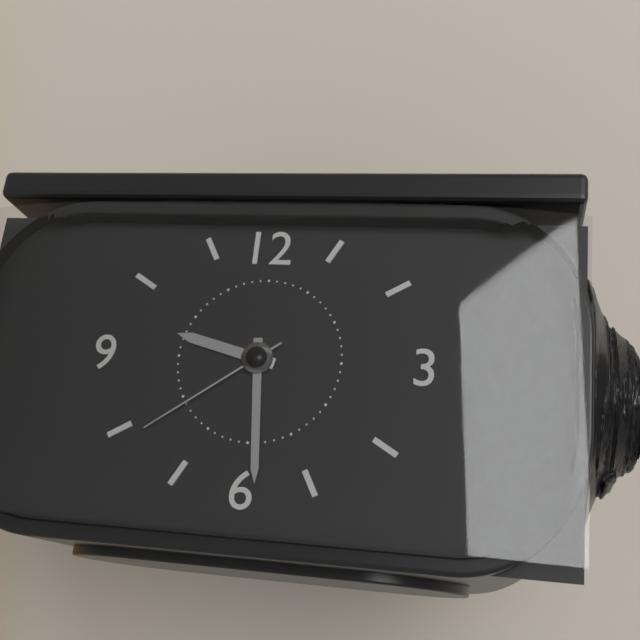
h=9 m=29 s=39
